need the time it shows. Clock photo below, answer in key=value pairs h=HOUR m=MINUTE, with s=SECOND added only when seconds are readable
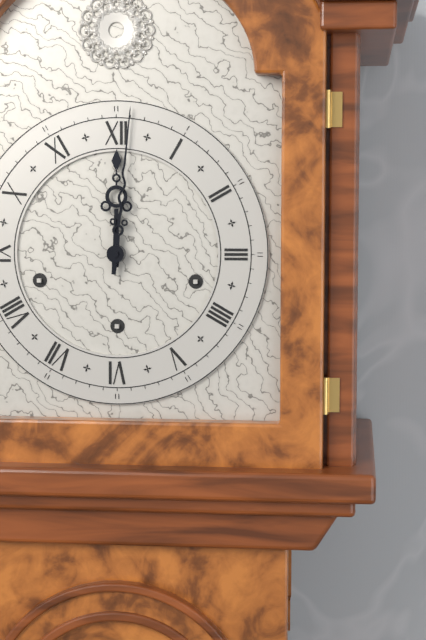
h=12 m=1
